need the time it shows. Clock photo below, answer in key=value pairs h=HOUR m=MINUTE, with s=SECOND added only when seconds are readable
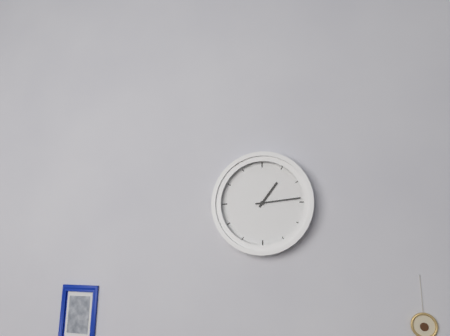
h=1 m=14
